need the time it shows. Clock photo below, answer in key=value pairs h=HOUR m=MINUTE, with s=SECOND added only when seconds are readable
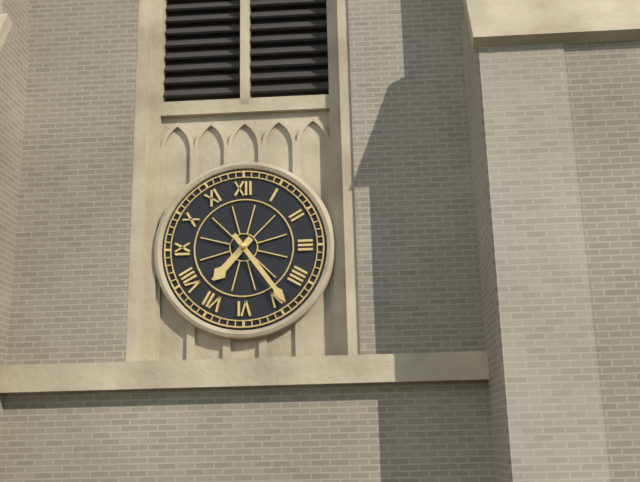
h=7 m=24
